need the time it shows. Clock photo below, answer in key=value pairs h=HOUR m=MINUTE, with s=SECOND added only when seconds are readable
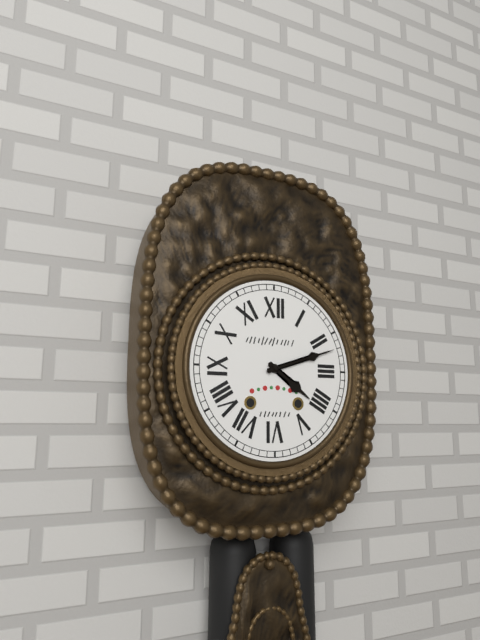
h=4 m=12
